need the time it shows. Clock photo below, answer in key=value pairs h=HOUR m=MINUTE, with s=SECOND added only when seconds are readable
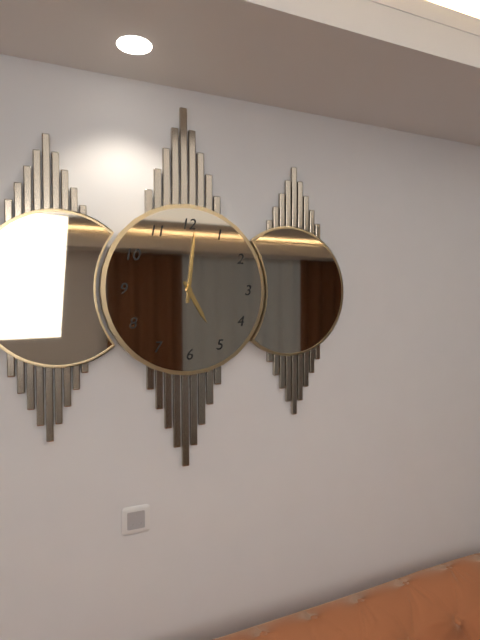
h=5 m=1
